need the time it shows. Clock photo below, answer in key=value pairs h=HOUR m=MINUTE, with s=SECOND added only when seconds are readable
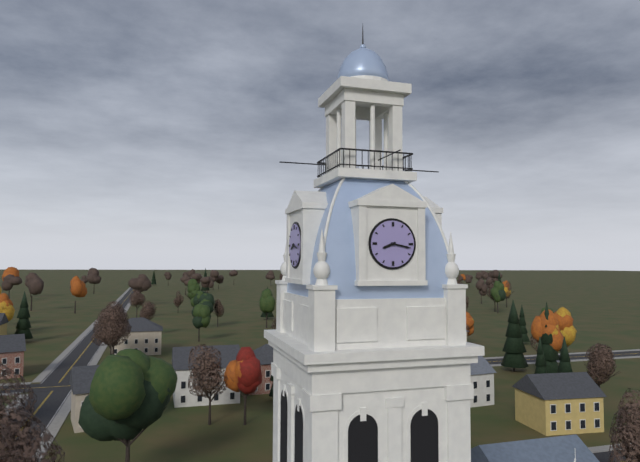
h=8 m=17
